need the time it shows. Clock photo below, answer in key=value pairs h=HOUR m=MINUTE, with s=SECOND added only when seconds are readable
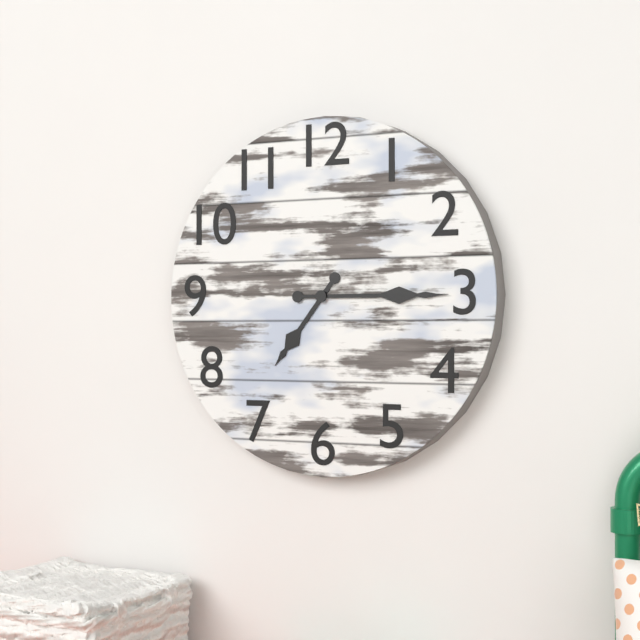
h=7 m=15
